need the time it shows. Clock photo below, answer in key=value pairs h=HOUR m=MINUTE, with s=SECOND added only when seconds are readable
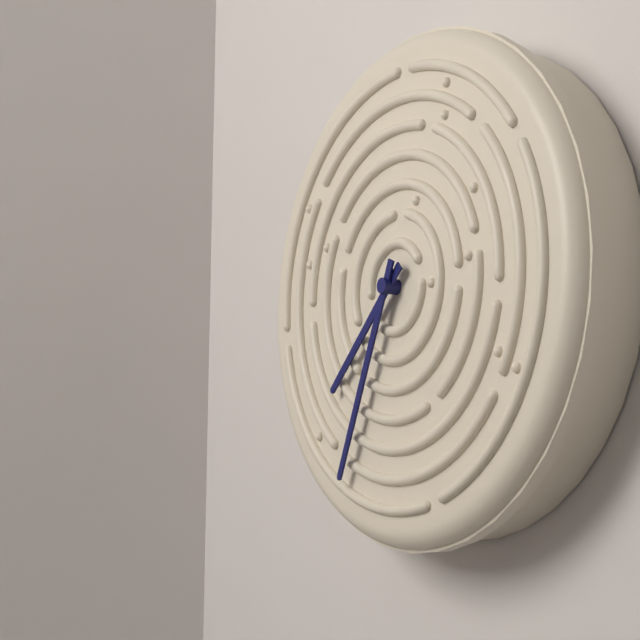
h=7 m=34
